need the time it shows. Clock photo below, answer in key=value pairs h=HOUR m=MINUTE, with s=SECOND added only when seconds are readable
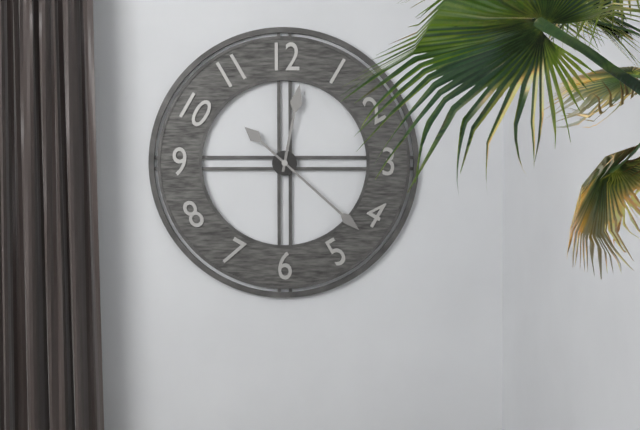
h=12 m=22
